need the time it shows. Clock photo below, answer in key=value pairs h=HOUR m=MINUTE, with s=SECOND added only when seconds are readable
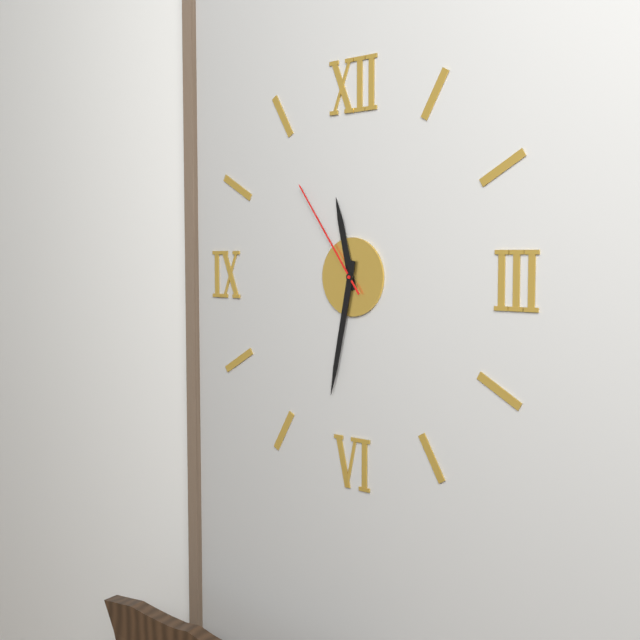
h=11 m=32 s=54
